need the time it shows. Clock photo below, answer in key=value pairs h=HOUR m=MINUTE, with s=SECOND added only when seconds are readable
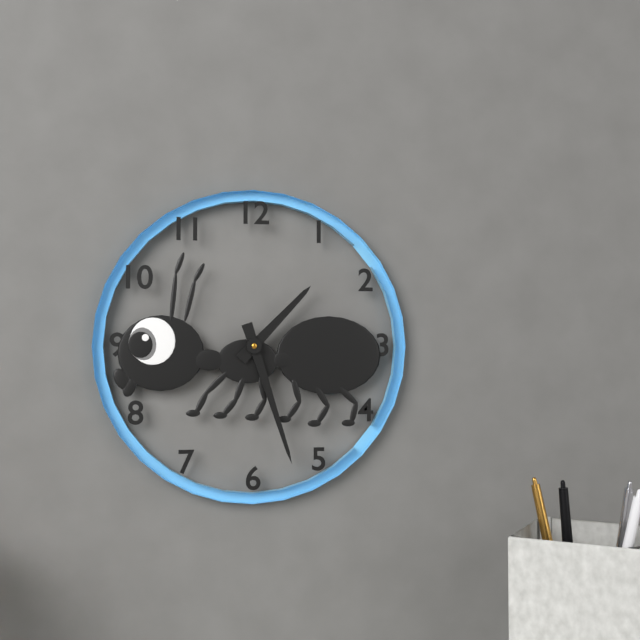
h=1 m=27
